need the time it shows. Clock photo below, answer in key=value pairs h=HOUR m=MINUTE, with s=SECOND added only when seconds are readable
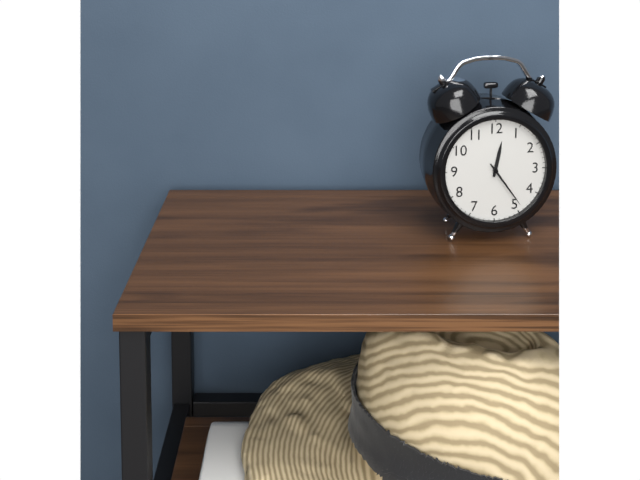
h=12 m=24
